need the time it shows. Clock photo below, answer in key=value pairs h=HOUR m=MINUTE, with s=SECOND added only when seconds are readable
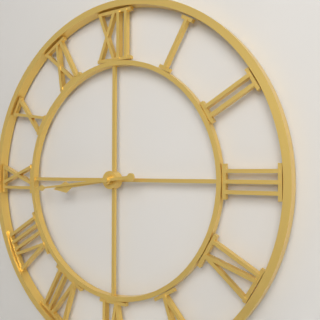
h=8 m=44
